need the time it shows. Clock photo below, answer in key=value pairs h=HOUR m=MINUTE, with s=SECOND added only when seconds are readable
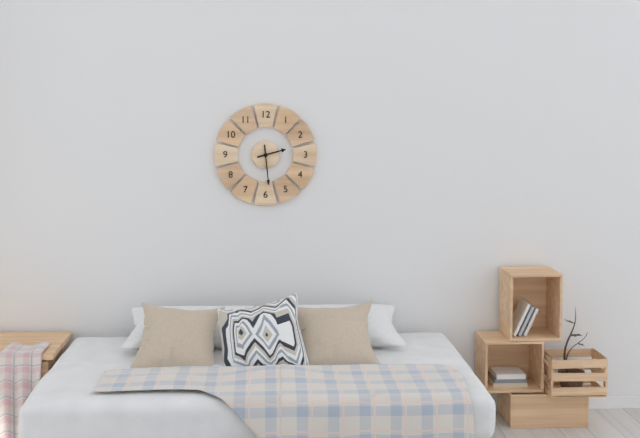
h=2 m=29
